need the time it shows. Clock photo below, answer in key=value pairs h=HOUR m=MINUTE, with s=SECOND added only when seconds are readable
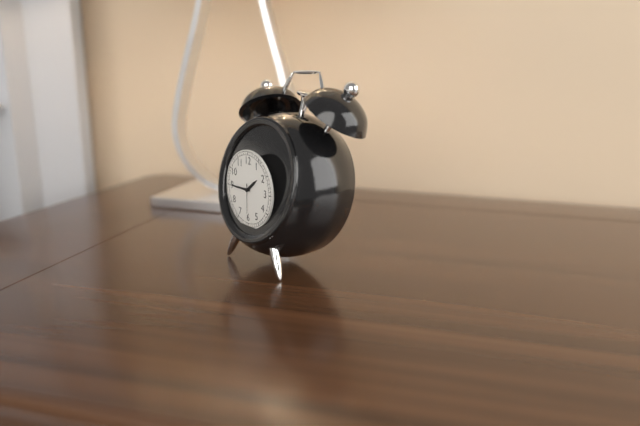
h=1 m=45
